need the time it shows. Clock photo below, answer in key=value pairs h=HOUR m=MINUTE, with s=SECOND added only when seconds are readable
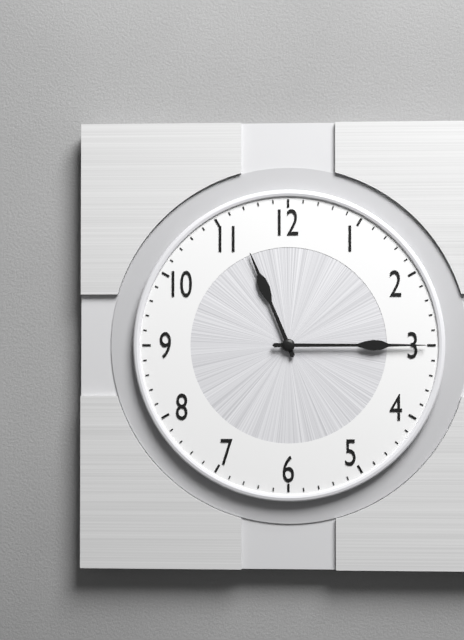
h=11 m=15
